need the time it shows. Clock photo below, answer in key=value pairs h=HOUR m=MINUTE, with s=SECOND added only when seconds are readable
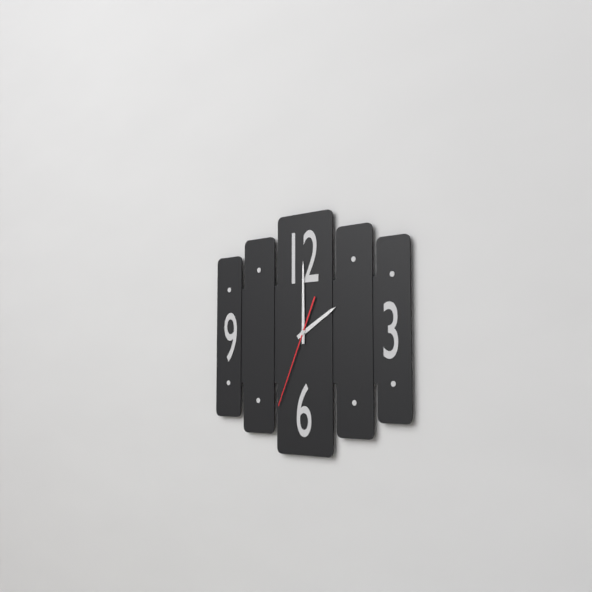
h=2 m=0 s=34
